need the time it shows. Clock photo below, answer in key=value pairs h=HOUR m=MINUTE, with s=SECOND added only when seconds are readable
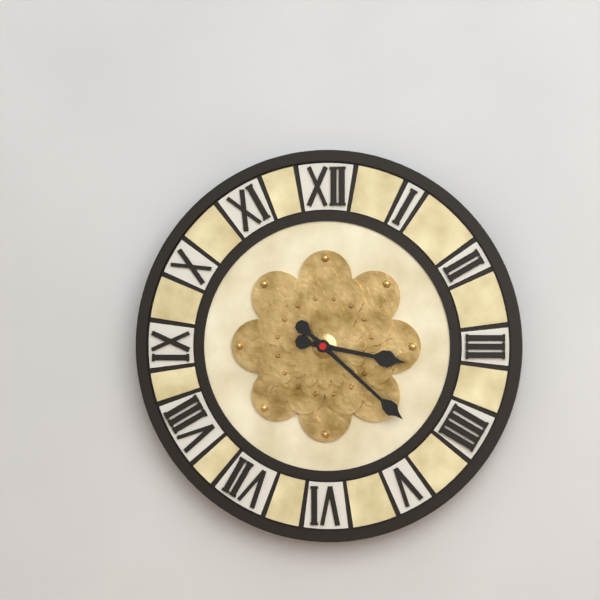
h=3 m=22
